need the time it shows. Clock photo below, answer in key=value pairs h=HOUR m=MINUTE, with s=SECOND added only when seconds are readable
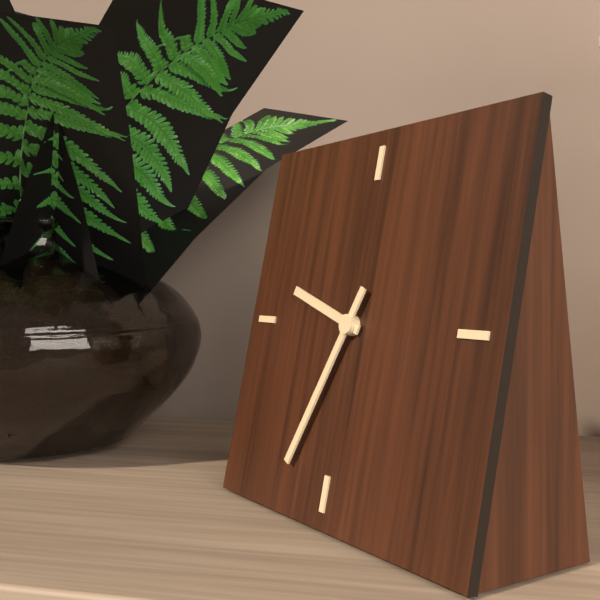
h=9 m=34
